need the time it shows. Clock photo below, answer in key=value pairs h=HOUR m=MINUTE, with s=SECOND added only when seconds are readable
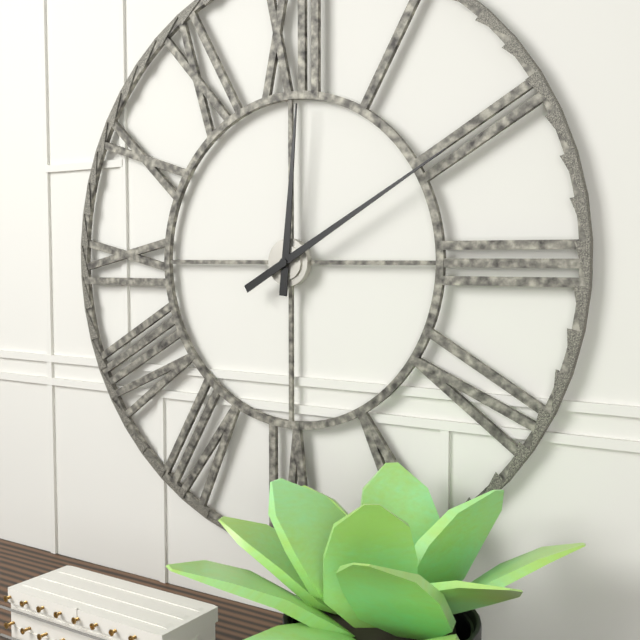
h=12 m=10
